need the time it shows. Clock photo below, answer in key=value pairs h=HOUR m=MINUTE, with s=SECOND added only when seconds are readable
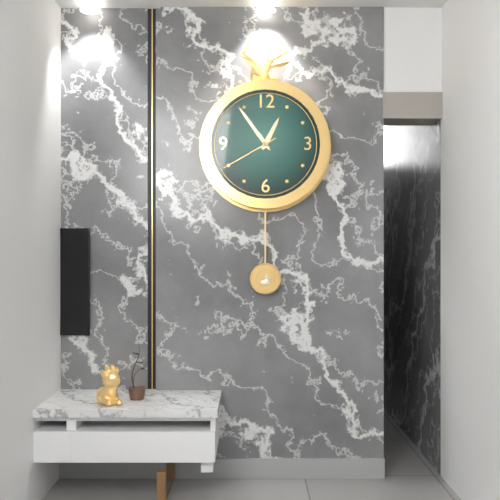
h=12 m=54 s=40
